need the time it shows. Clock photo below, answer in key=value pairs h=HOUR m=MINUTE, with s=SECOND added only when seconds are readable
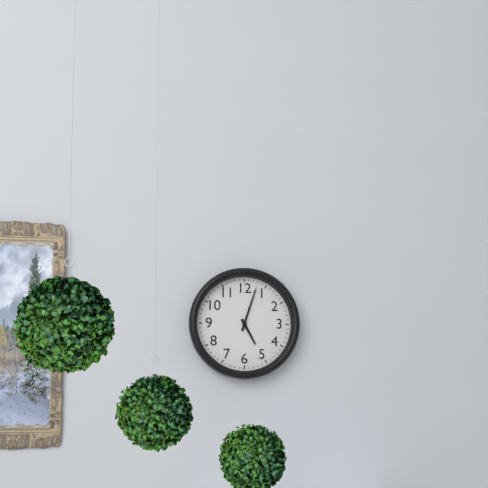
h=5 m=3
